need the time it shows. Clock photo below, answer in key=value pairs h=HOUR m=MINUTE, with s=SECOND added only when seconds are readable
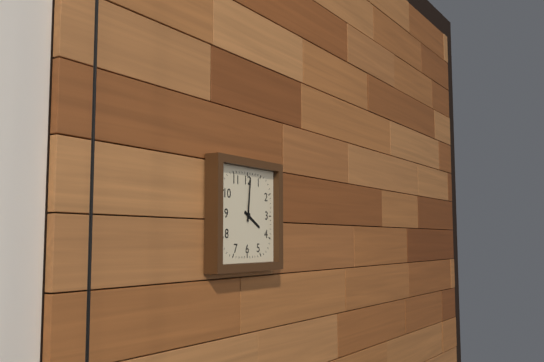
h=4 m=1
